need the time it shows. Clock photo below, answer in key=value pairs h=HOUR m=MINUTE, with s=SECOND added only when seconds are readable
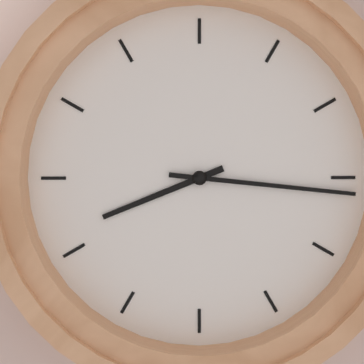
h=8 m=16
